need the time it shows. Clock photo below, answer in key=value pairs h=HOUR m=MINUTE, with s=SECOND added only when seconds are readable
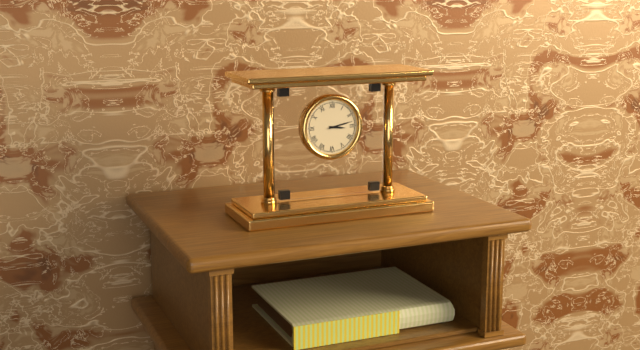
h=3 m=13
